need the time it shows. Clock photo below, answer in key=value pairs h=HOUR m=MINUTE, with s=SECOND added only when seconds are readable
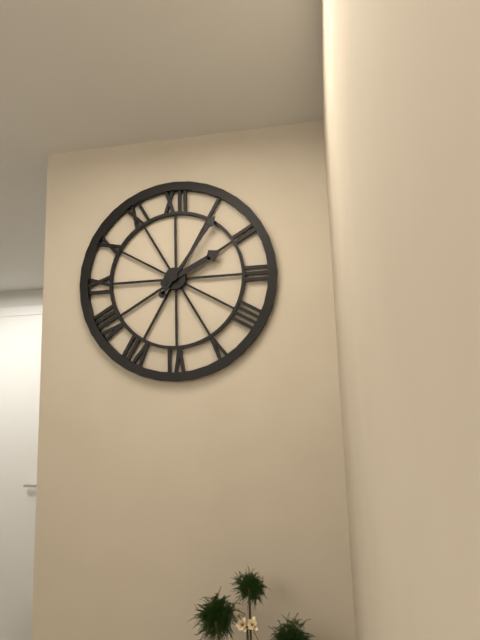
h=2 m=6
